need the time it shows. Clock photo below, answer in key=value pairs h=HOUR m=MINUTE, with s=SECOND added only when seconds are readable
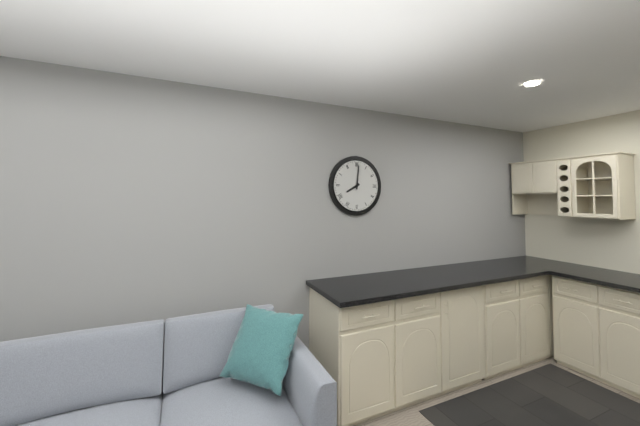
h=8 m=1
